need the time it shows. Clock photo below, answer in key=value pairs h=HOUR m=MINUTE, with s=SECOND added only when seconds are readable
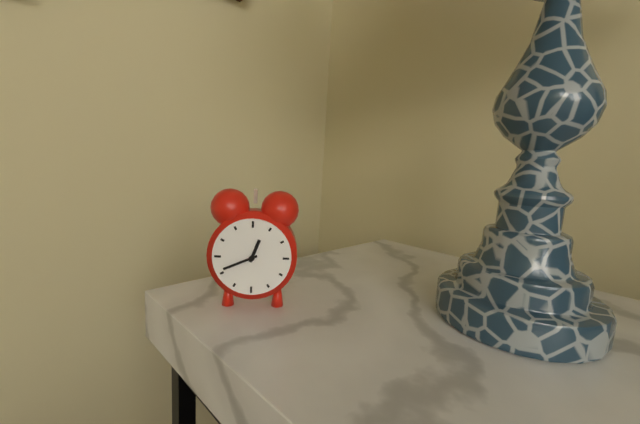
h=12 m=41
